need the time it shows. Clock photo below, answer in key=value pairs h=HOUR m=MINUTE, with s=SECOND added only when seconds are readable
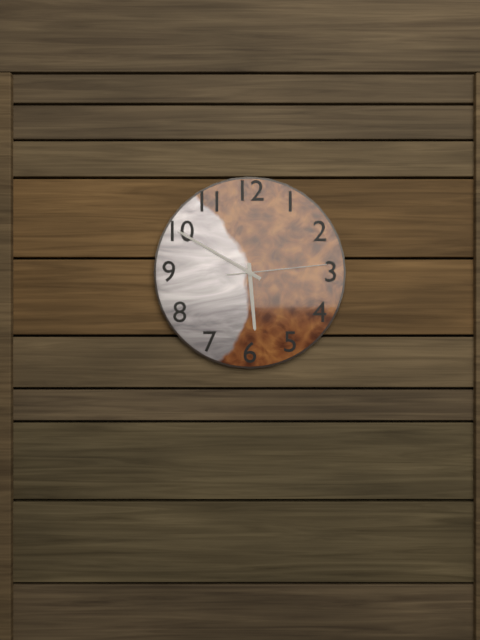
h=5 m=50 s=14
